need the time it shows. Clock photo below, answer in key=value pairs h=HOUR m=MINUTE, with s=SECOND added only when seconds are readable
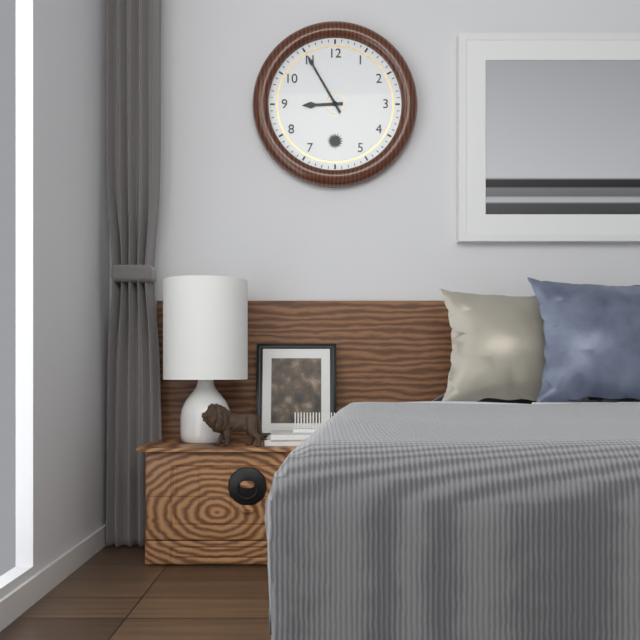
h=8 m=55
